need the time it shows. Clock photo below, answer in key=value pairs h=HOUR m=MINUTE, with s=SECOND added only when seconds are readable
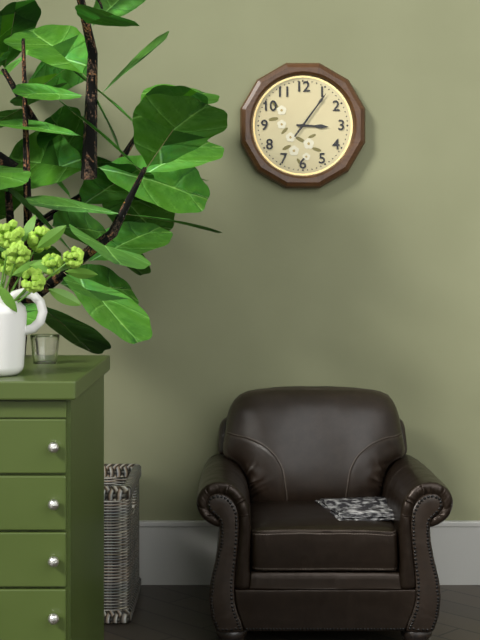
h=3 m=6
